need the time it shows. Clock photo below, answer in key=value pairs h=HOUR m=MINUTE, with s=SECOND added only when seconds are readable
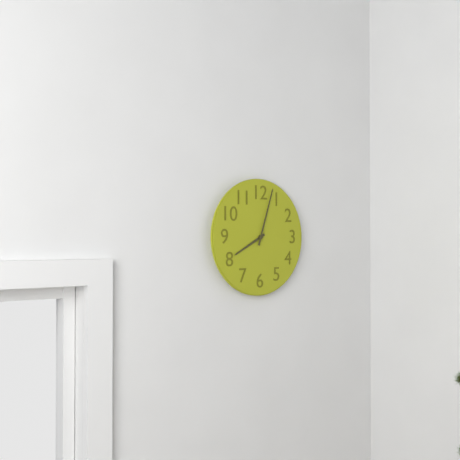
h=8 m=3
